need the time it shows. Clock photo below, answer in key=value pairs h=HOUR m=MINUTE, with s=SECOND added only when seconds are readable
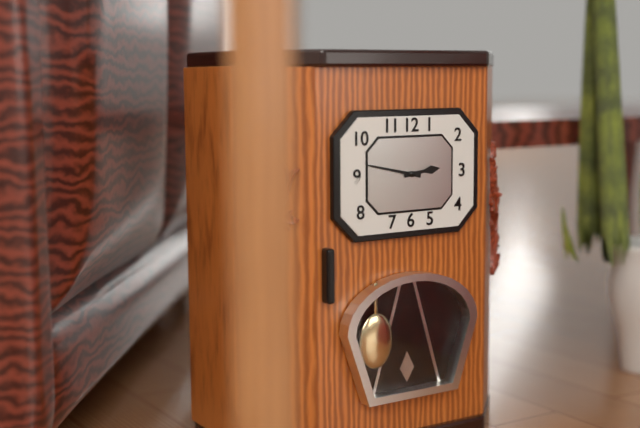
h=2 m=47
